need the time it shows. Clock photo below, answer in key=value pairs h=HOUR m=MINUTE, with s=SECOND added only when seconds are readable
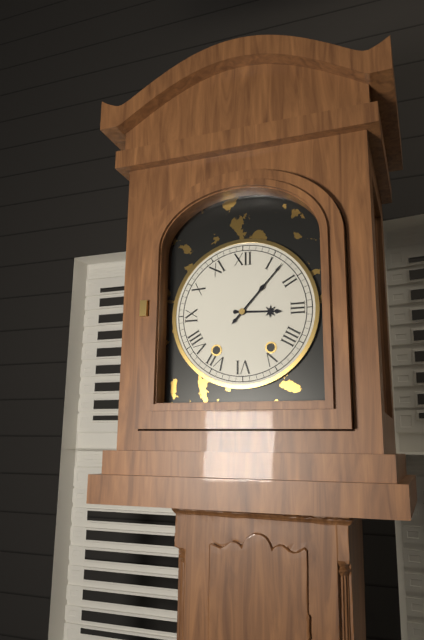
h=3 m=7
